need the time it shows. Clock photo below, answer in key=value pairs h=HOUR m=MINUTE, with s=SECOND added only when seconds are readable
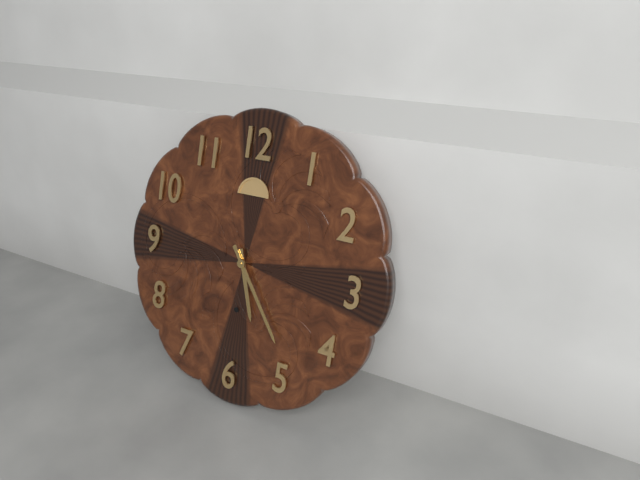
h=5 m=24
